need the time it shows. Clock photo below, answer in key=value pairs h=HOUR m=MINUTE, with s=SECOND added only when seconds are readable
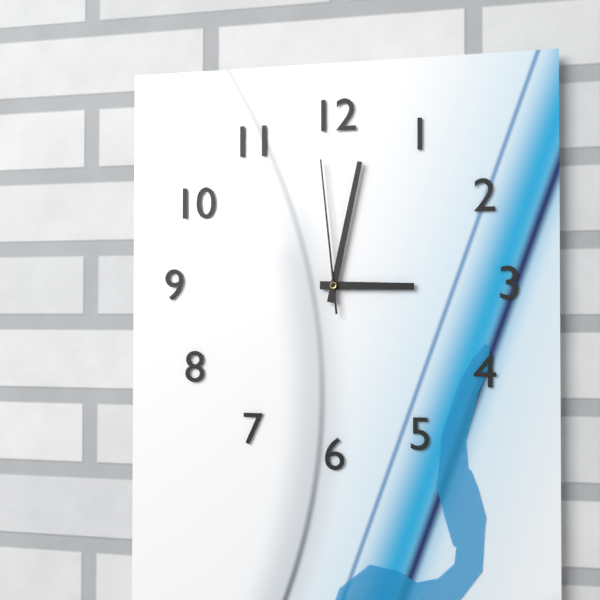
h=3 m=2 s=59
